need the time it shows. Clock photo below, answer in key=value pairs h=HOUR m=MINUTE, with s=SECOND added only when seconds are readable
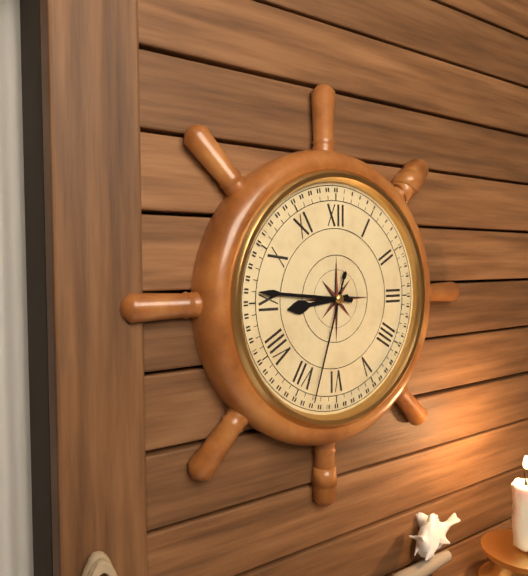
h=8 m=46 s=33
